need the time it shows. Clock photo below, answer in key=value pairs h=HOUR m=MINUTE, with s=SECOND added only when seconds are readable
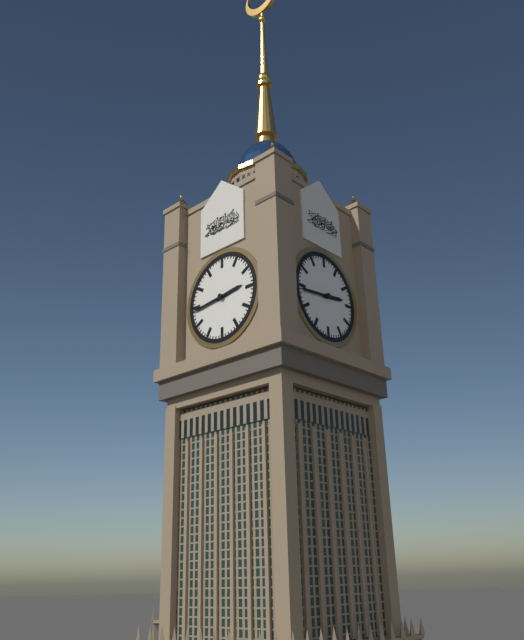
h=2 m=44
